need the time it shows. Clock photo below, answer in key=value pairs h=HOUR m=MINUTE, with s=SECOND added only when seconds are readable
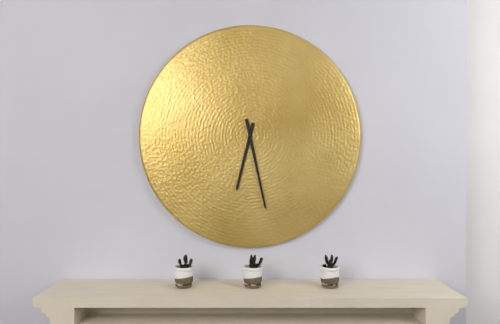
h=6 m=28
